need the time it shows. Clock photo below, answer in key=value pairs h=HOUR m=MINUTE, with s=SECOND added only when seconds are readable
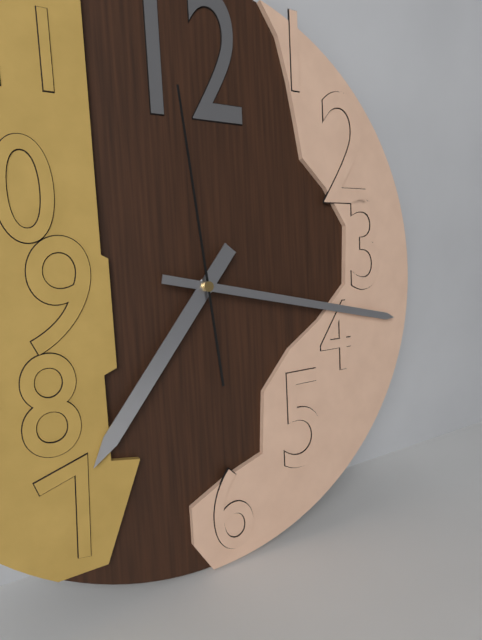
h=7 m=17 s=59
